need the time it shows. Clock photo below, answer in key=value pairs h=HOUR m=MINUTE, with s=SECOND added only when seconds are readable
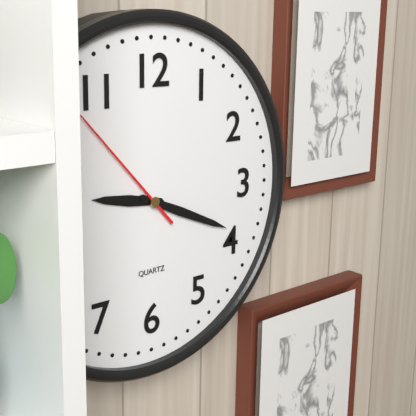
h=9 m=19 s=53
